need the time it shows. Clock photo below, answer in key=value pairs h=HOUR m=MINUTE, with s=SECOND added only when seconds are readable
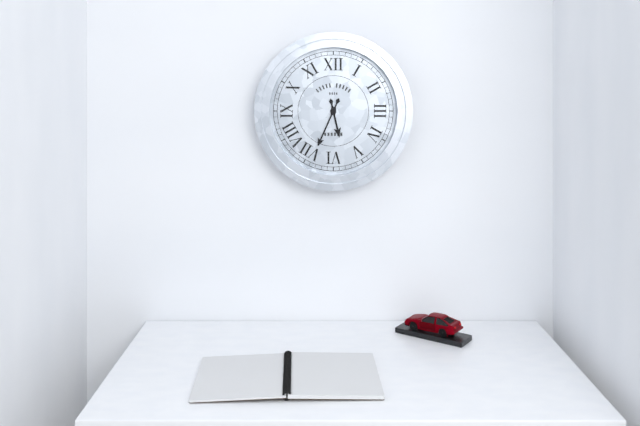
h=5 m=34
